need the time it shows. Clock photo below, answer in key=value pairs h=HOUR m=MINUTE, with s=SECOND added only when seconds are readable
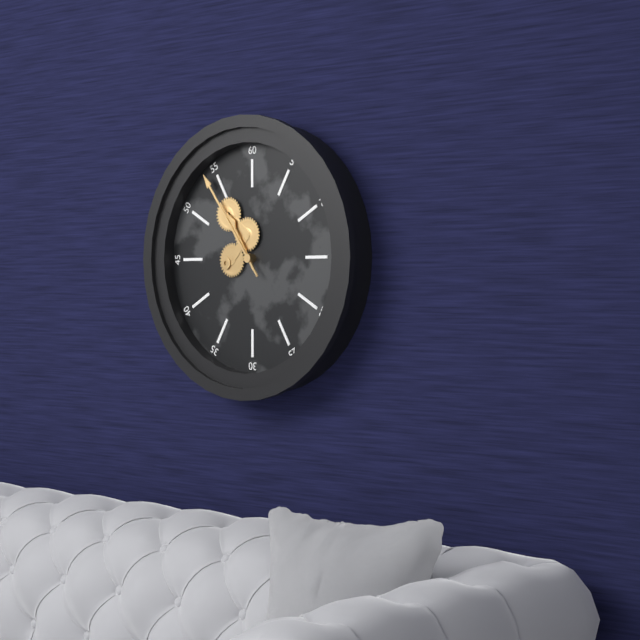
h=10 m=54
